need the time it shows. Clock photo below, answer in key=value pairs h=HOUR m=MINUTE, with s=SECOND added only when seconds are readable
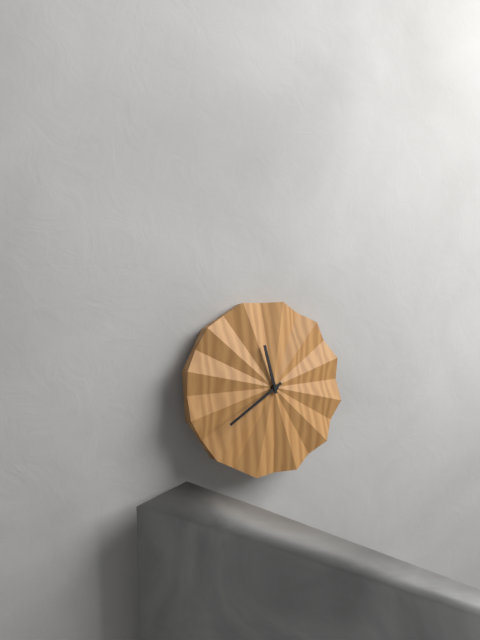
h=11 m=40
